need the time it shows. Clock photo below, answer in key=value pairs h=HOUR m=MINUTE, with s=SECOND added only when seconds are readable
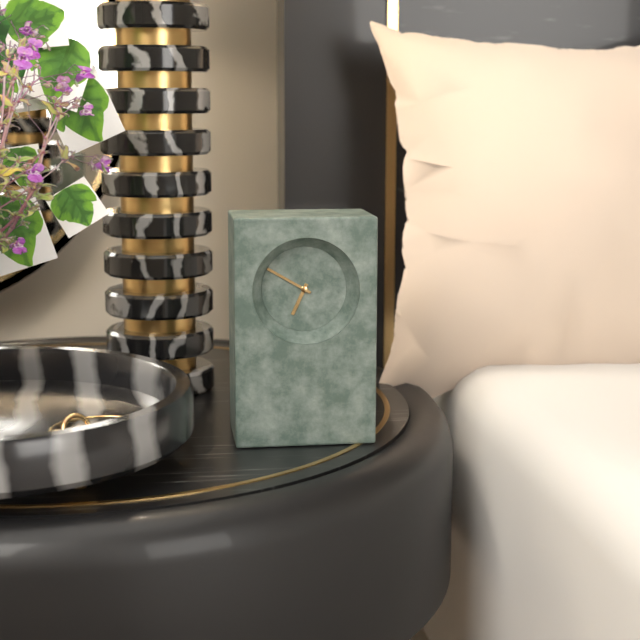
h=6 m=50
